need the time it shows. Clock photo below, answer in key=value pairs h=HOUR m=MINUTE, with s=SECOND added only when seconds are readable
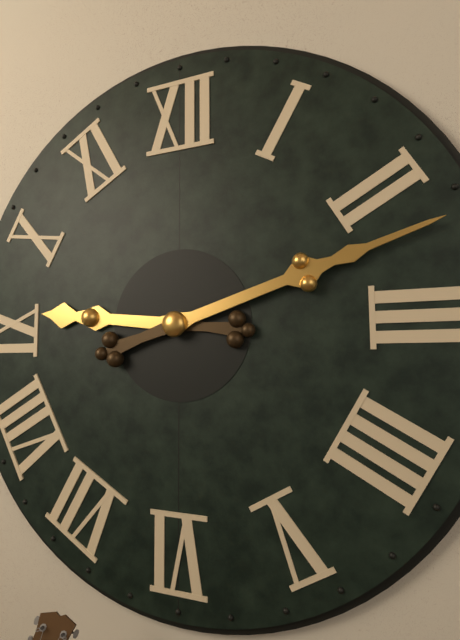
h=9 m=12
